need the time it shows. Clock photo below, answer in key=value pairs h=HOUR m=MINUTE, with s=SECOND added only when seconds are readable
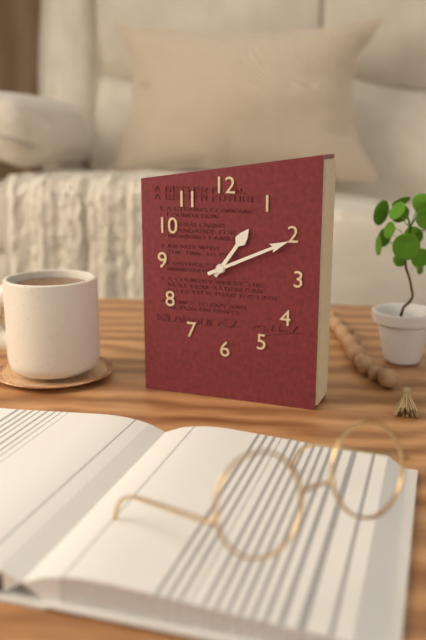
h=1 m=11
